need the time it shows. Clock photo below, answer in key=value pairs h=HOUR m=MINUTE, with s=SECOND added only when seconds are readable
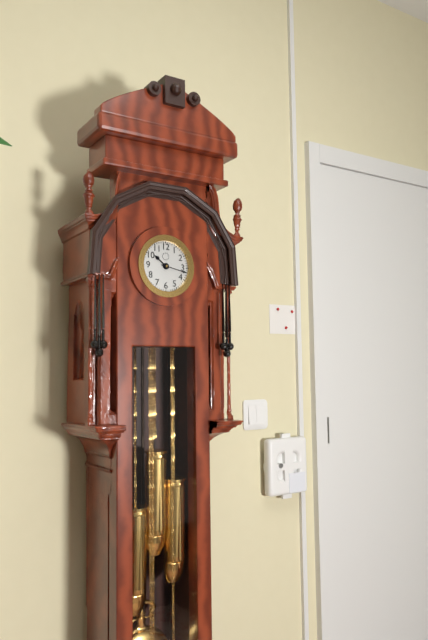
h=10 m=17
